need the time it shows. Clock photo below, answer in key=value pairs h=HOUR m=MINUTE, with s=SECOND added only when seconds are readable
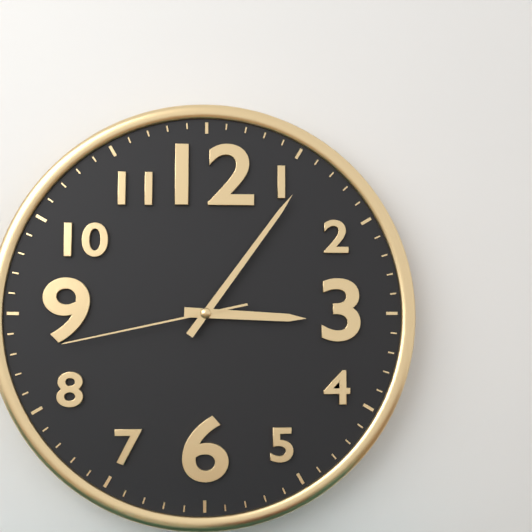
h=3 m=6 s=43
